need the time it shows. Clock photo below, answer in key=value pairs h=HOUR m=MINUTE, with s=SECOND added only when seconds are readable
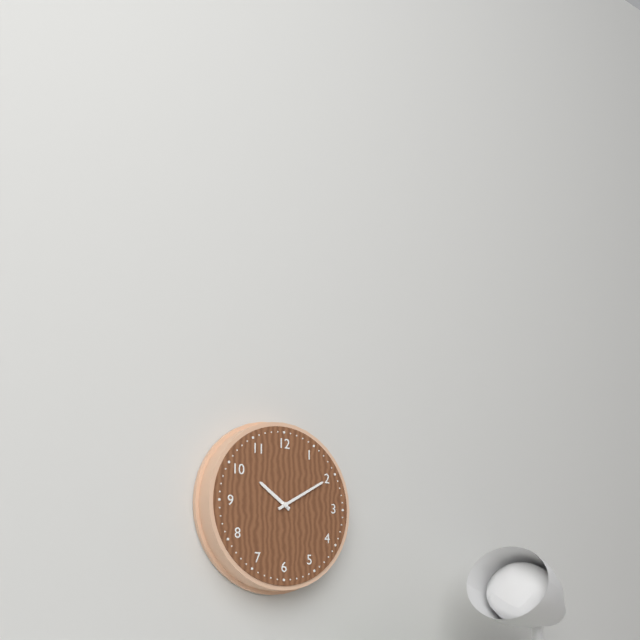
h=10 m=10
